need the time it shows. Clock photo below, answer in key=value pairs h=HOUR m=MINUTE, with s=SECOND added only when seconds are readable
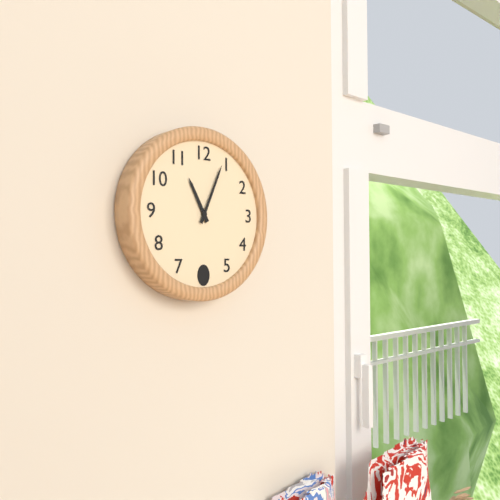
h=11 m=4
